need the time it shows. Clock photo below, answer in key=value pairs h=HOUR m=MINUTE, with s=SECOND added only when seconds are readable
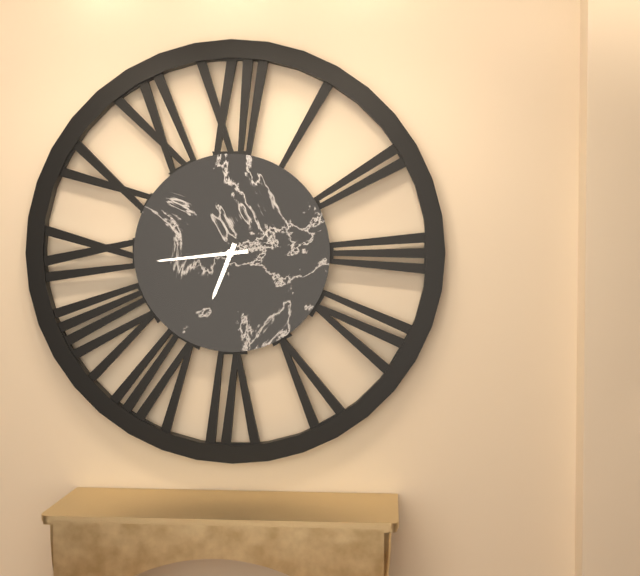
h=6 m=44
